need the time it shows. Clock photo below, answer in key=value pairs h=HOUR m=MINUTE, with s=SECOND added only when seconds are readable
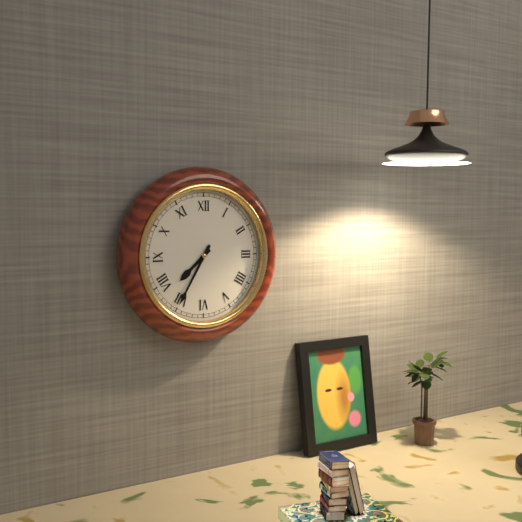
h=7 m=35
